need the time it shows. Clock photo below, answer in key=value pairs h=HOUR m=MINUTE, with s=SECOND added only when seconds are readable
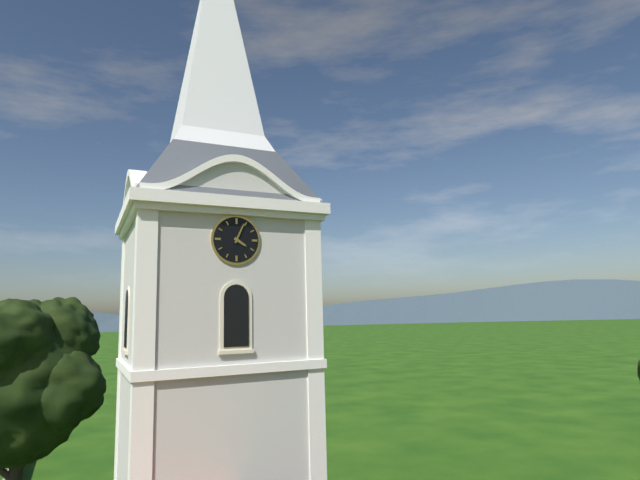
h=4 m=4
